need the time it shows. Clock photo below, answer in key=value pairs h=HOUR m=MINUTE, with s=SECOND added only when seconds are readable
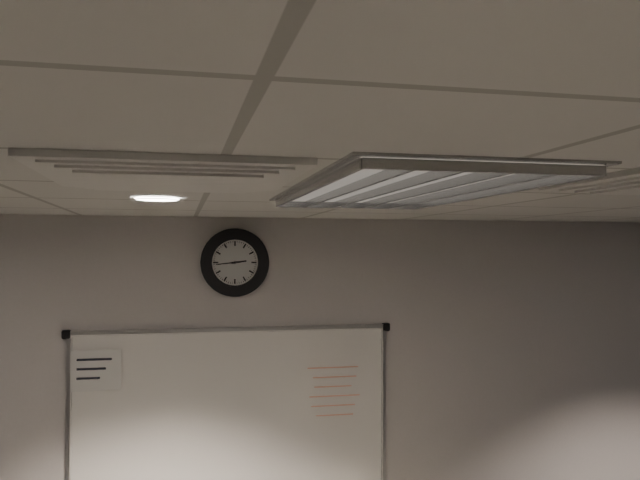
h=2 m=44
